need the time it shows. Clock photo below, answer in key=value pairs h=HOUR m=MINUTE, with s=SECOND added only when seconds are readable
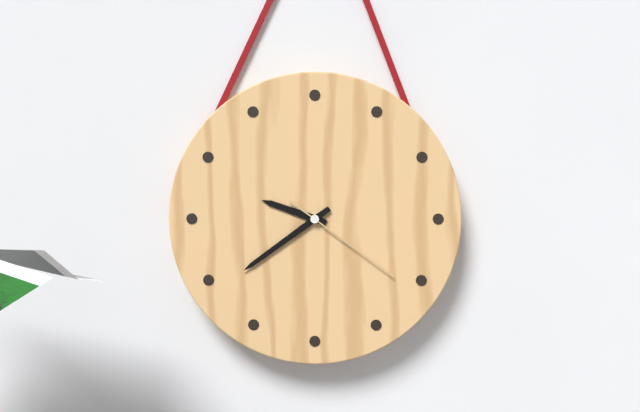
h=9 m=39 s=21
